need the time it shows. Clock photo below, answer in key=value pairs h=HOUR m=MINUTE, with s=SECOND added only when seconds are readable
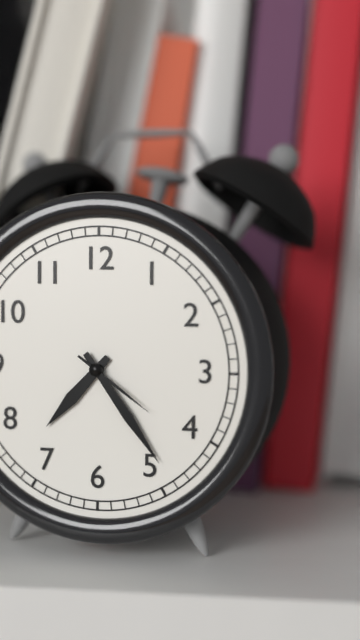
h=7 m=24 s=21
